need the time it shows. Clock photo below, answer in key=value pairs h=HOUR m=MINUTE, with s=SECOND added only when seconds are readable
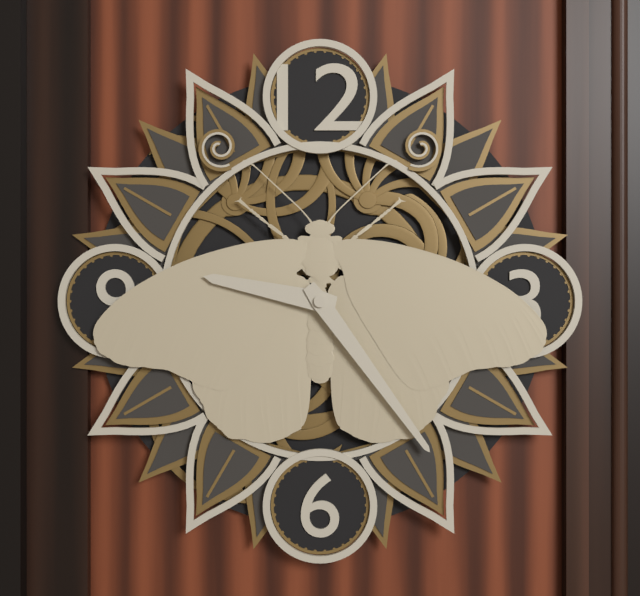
h=9 m=24
